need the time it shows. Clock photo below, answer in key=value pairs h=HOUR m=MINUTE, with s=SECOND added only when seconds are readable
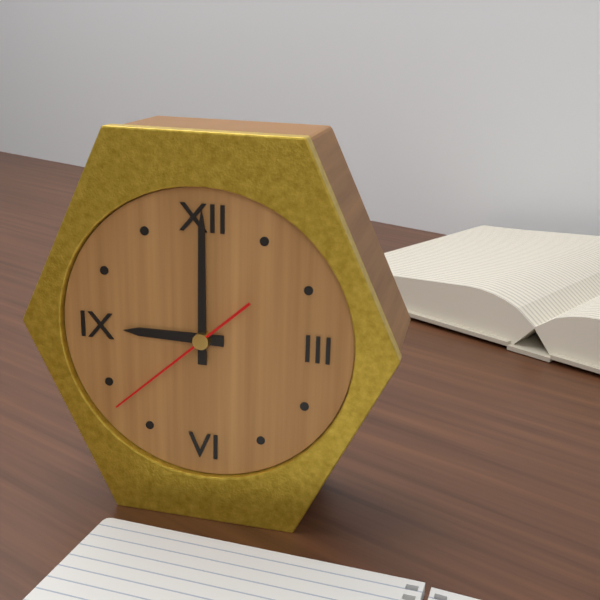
h=9 m=0 s=38
